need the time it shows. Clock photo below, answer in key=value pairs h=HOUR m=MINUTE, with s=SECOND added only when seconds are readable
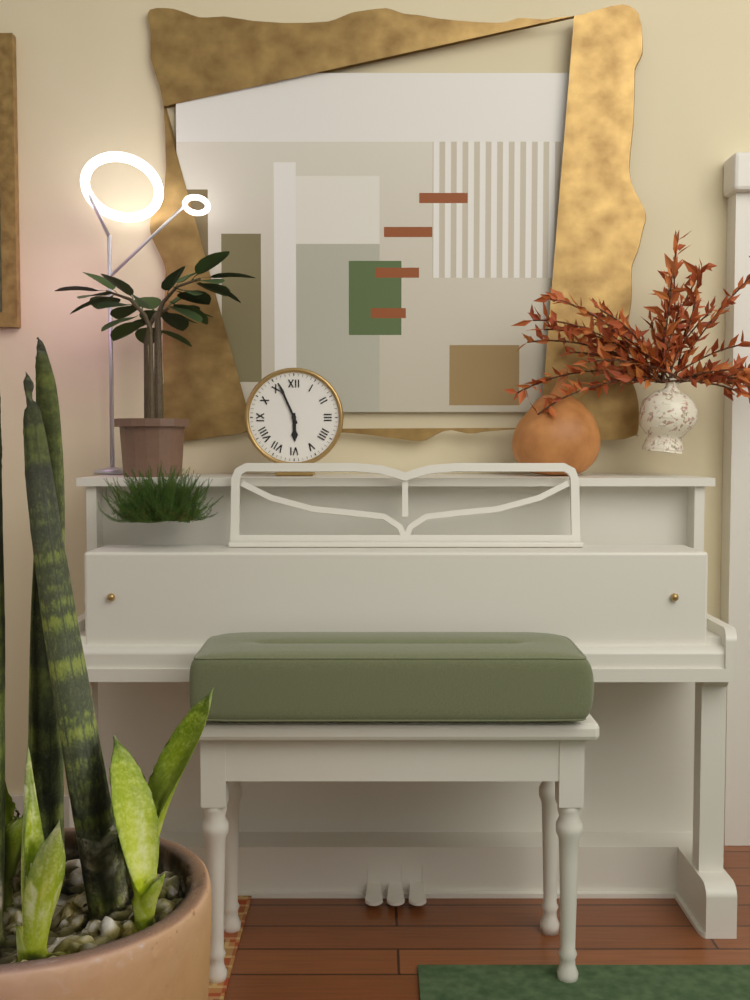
h=5 m=56
